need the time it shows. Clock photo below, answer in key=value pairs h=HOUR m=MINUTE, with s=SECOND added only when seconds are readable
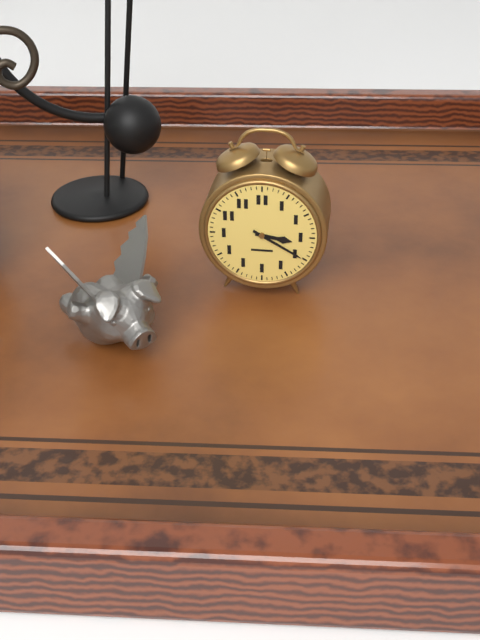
h=3 m=20
